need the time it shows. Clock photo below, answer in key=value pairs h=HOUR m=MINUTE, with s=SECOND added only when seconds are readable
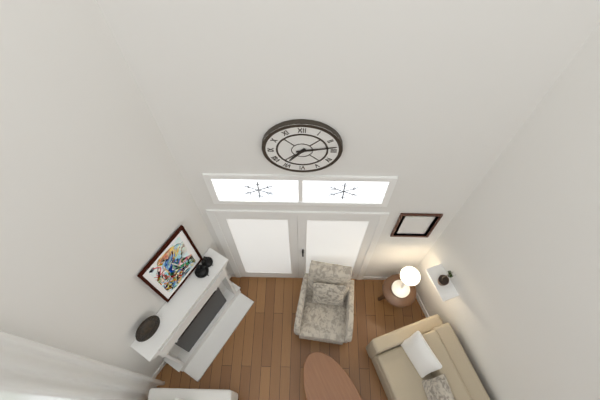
h=7 m=13
